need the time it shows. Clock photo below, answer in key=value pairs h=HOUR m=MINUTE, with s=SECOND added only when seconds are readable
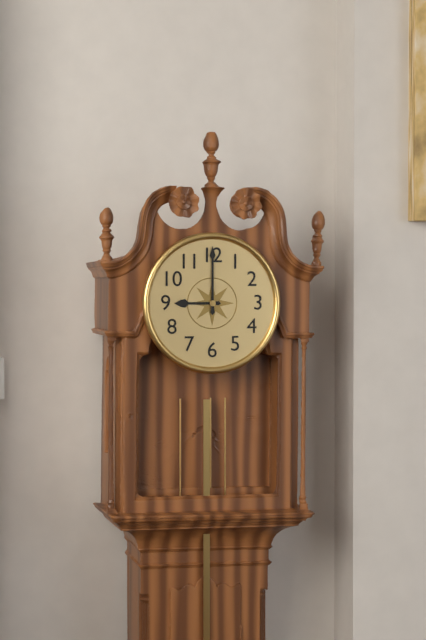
h=9 m=0
